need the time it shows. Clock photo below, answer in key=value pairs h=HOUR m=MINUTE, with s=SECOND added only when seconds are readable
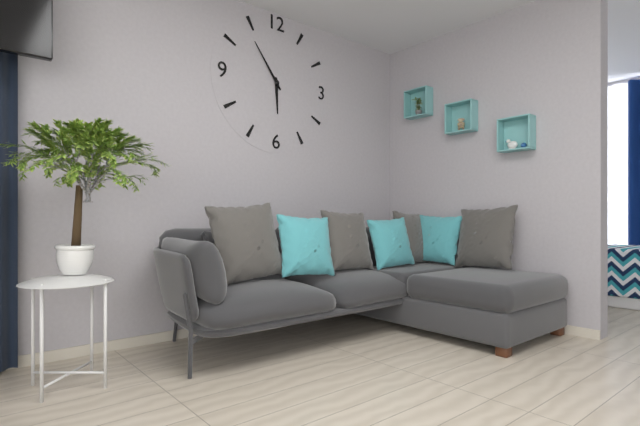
h=5 m=54
